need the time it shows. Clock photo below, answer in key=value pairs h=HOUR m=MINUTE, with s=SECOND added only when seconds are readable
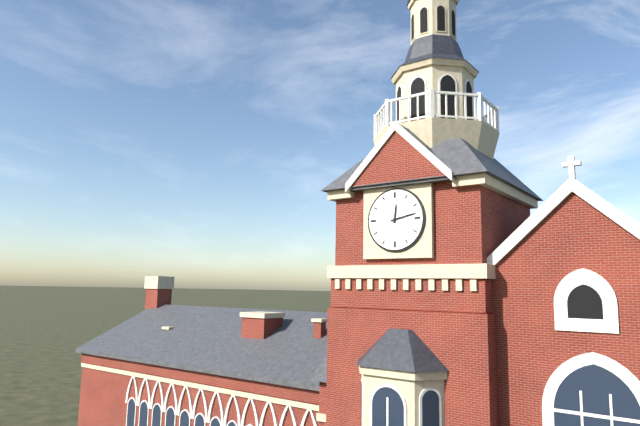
h=12 m=13
